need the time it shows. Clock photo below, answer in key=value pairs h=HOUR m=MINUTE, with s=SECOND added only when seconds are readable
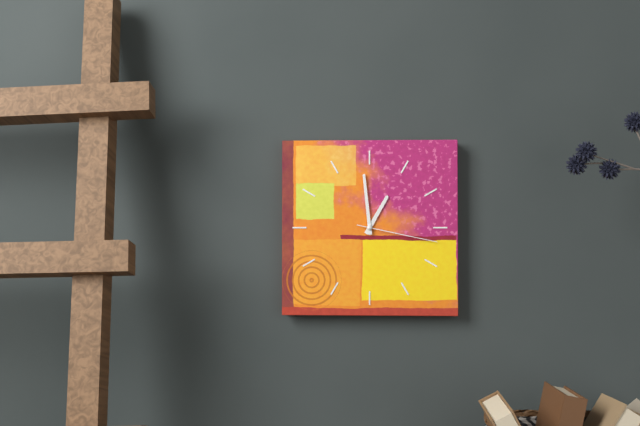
h=12 m=59 s=17
